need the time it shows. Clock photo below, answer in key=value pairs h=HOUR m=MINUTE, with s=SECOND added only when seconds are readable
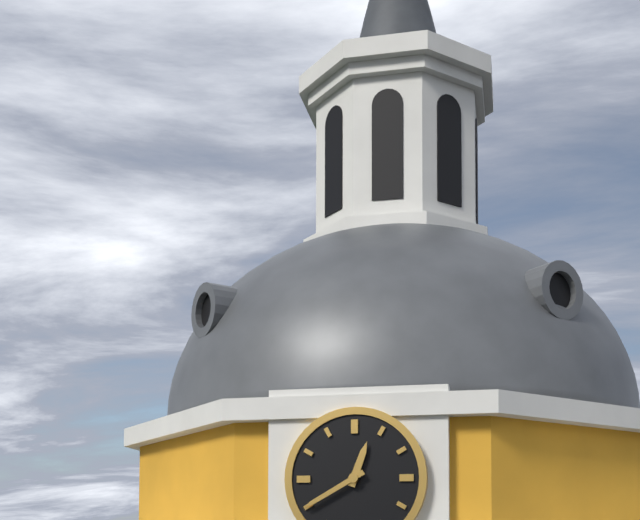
h=12 m=40
